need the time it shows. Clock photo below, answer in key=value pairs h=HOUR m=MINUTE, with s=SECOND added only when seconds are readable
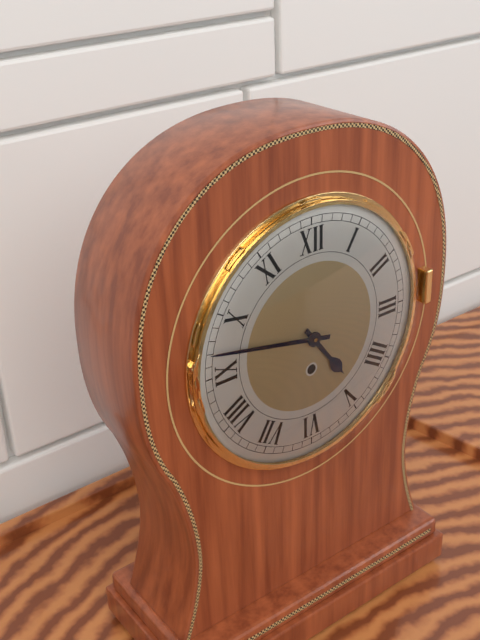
h=4 m=47
